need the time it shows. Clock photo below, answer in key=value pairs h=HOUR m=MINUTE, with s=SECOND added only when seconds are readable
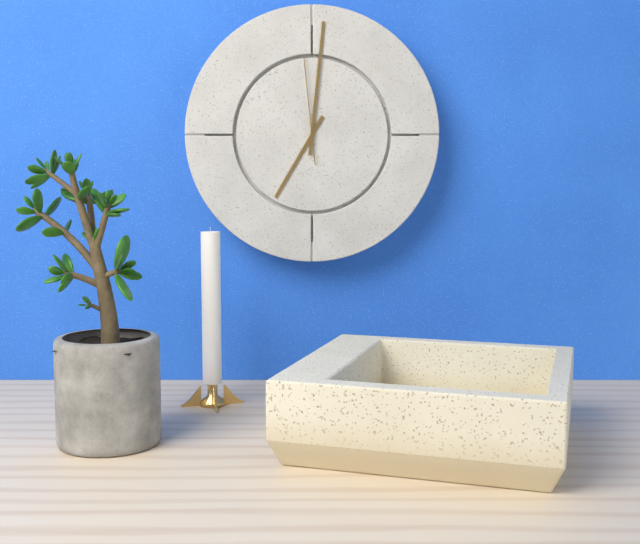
h=7 m=1 s=59
